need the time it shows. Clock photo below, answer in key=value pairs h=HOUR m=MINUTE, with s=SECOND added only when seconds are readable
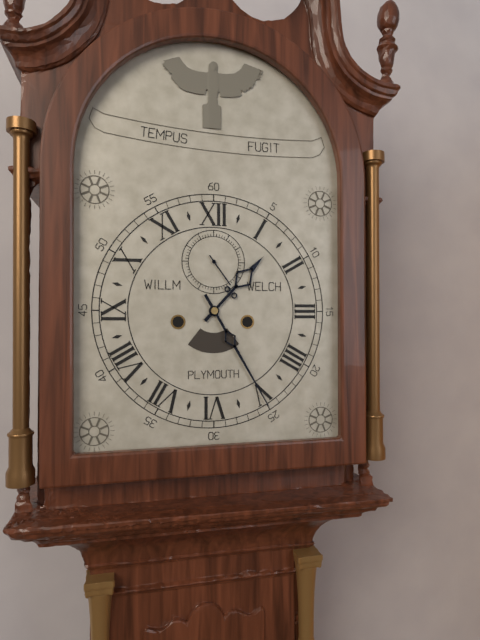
h=1 m=25
